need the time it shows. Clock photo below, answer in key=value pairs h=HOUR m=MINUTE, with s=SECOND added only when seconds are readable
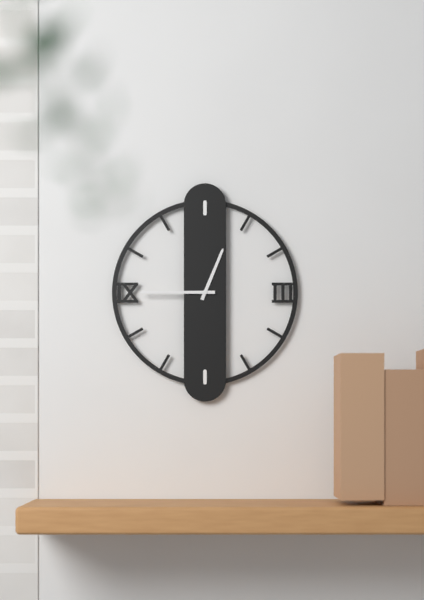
h=12 m=45
